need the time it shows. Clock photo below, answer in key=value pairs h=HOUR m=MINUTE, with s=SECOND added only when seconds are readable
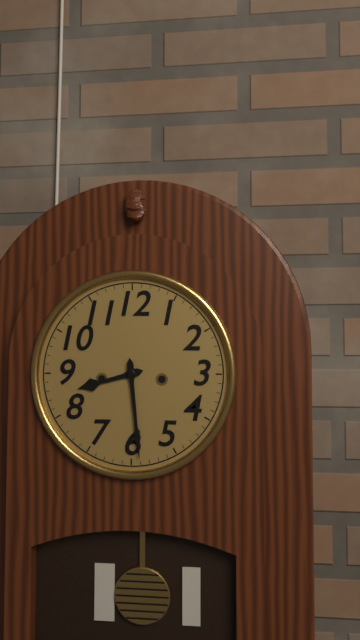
h=8 m=29
